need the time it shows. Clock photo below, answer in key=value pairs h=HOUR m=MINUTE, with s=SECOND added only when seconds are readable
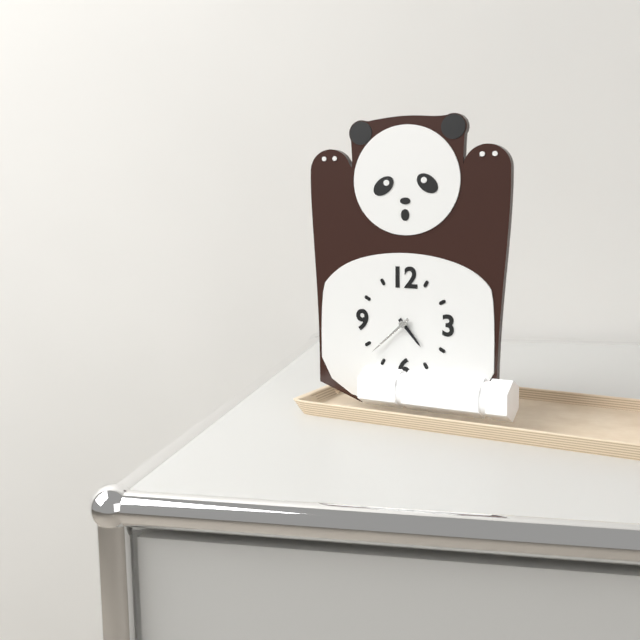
h=4 m=38
